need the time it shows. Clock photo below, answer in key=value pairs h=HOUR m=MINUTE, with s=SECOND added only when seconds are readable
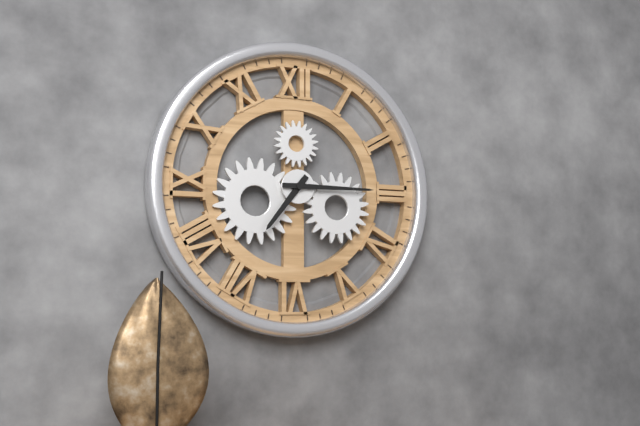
h=7 m=15
